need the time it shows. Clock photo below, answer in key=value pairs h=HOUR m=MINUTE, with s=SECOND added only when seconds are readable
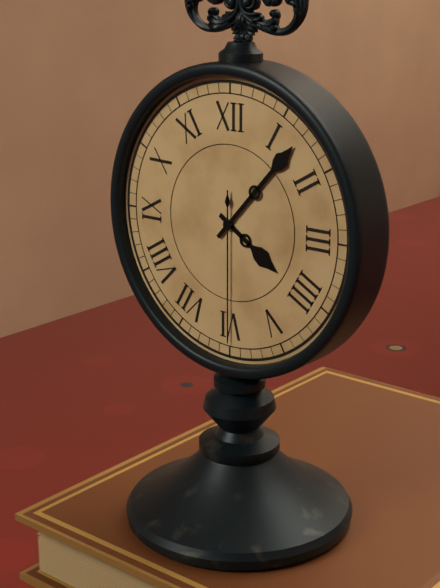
h=4 m=7 s=30
